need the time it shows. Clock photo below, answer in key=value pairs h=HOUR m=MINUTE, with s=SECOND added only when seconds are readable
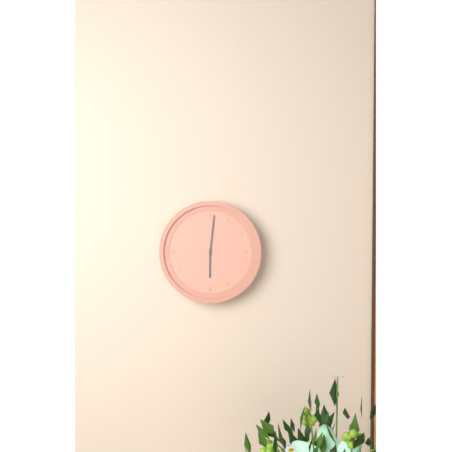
h=6 m=1
